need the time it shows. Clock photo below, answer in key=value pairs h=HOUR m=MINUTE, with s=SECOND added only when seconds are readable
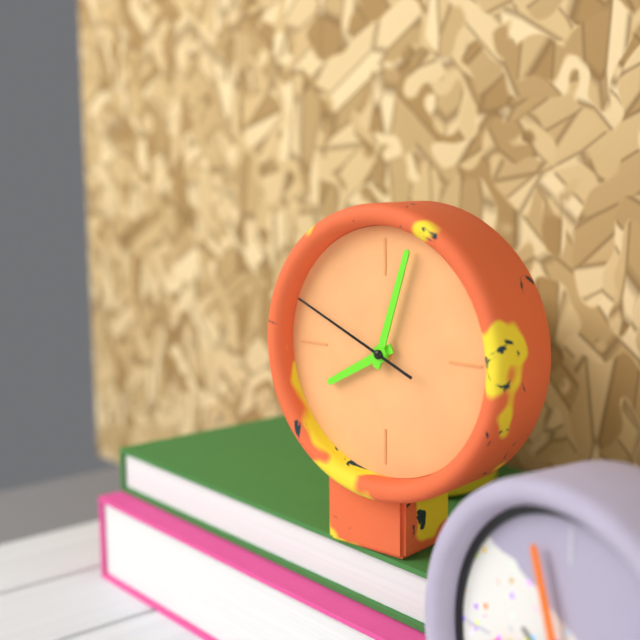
h=8 m=3 s=49
